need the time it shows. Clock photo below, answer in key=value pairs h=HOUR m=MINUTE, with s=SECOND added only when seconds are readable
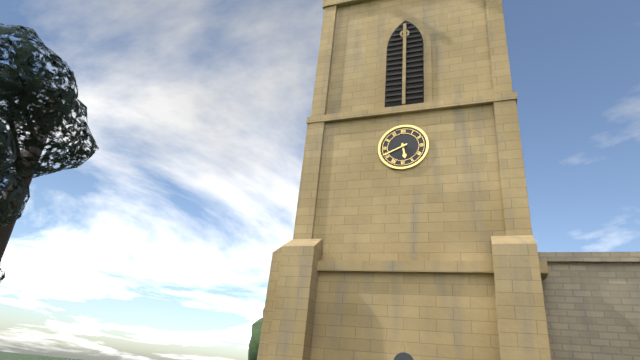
h=5 m=41
